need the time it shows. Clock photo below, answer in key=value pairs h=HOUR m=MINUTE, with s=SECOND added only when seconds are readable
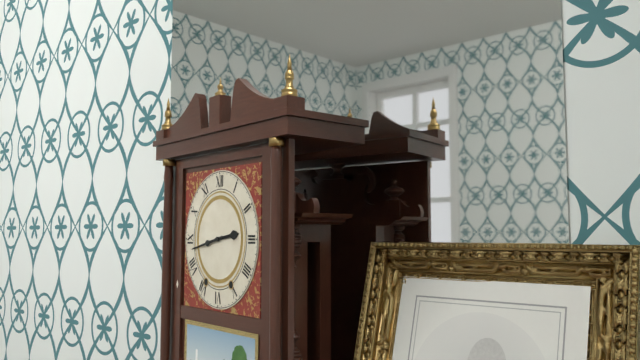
h=2 m=43
